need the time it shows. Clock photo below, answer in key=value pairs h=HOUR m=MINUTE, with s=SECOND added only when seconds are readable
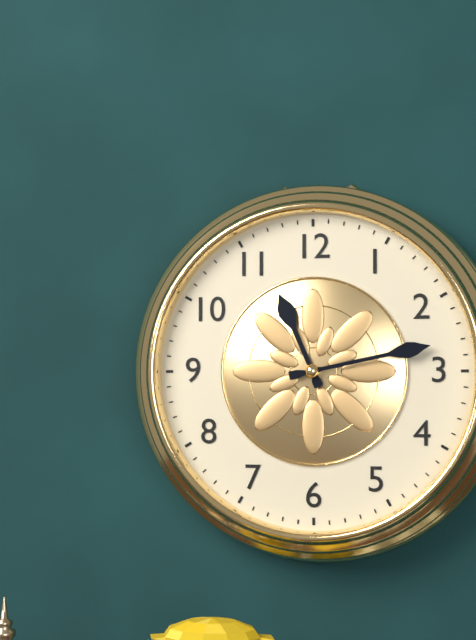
h=11 m=13
